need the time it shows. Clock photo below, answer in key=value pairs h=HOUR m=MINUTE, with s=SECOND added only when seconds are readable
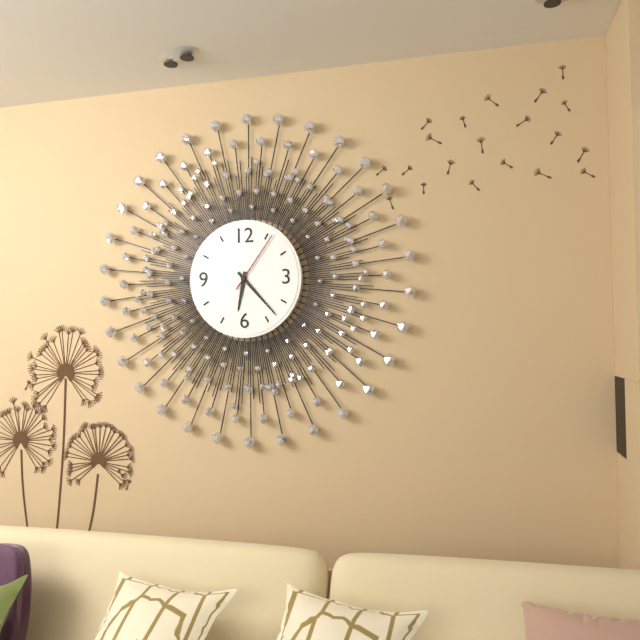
h=6 m=23 s=6
